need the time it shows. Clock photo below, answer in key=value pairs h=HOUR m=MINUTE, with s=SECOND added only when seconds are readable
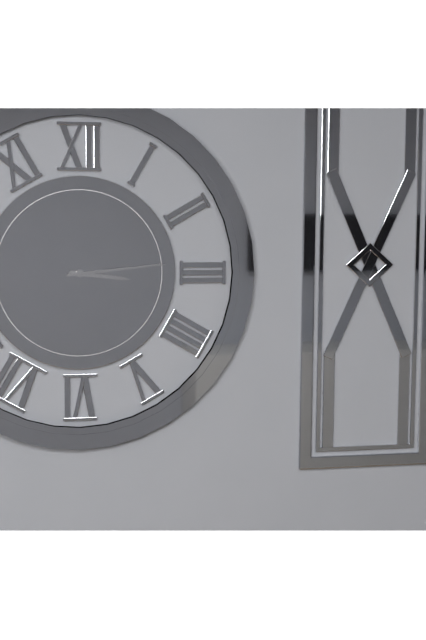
h=3 m=14
